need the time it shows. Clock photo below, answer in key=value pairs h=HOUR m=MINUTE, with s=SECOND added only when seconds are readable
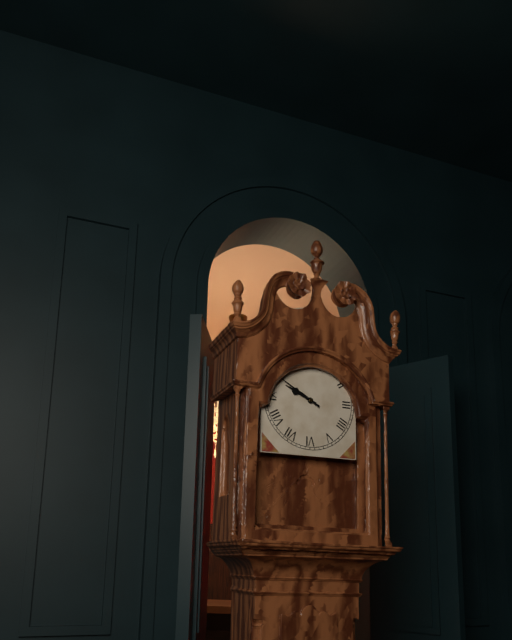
h=9 m=50
